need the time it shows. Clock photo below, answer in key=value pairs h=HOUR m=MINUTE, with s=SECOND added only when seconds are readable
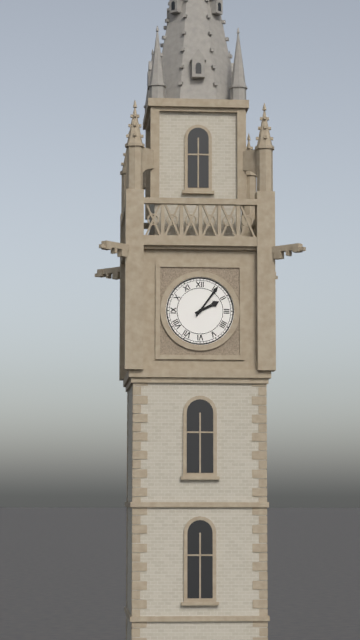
h=2 m=6
